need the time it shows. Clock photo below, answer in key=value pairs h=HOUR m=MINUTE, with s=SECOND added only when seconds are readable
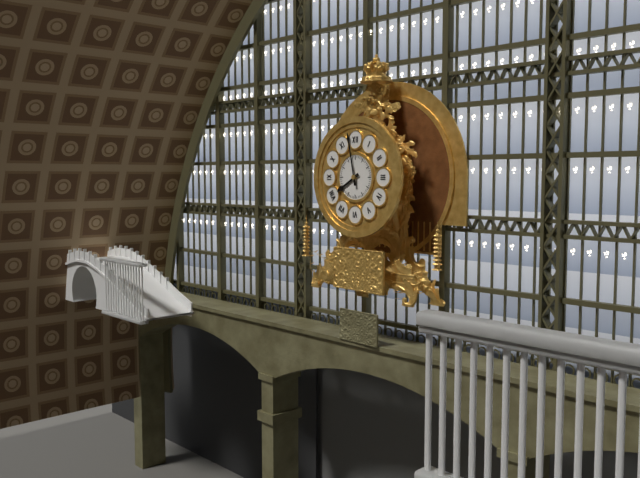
h=7 m=58
